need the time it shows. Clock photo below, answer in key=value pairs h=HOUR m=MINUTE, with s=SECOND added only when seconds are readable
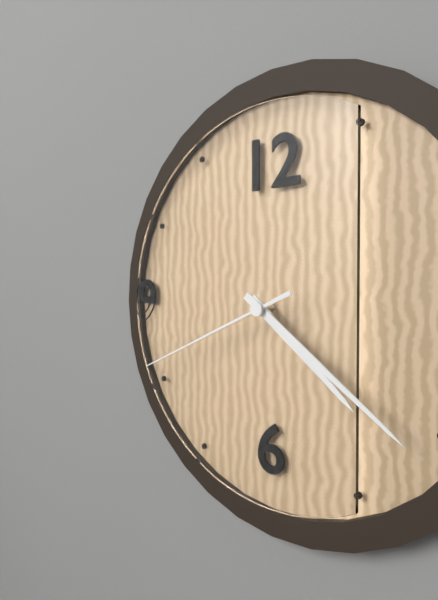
h=4 m=21 s=41
